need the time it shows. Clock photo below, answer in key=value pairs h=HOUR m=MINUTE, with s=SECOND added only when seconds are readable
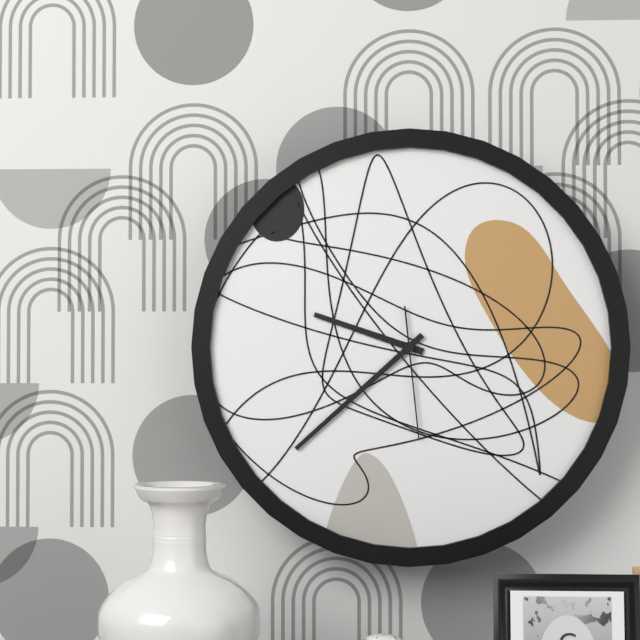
h=9 m=38 s=29
